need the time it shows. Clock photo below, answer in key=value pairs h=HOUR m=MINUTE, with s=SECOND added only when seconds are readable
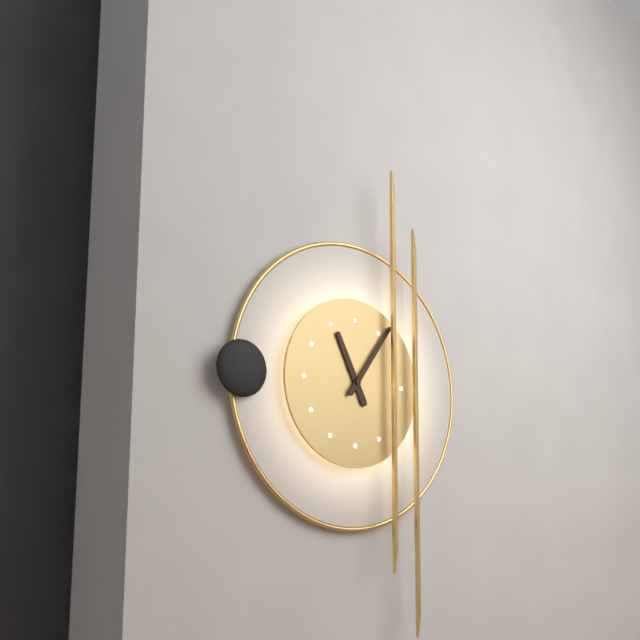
h=11 m=6
